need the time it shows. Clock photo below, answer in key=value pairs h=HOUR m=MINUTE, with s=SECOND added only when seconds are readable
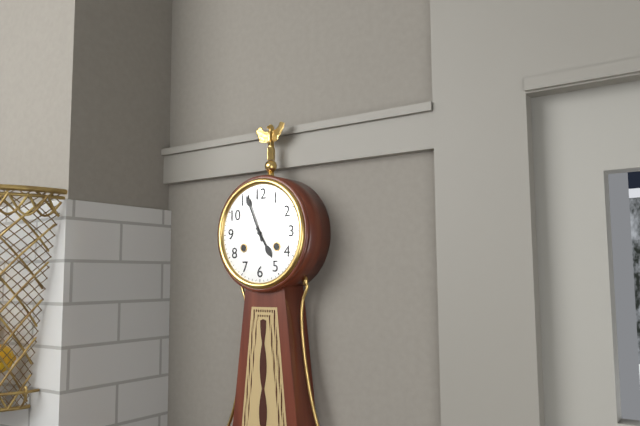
h=4 m=56
